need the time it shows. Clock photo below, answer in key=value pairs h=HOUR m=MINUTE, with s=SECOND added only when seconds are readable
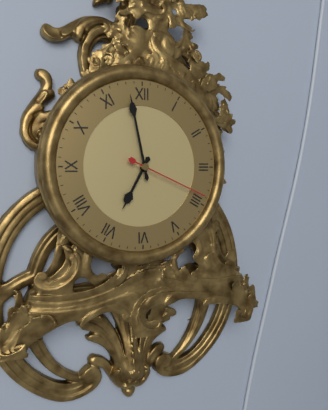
h=6 m=58 s=19
